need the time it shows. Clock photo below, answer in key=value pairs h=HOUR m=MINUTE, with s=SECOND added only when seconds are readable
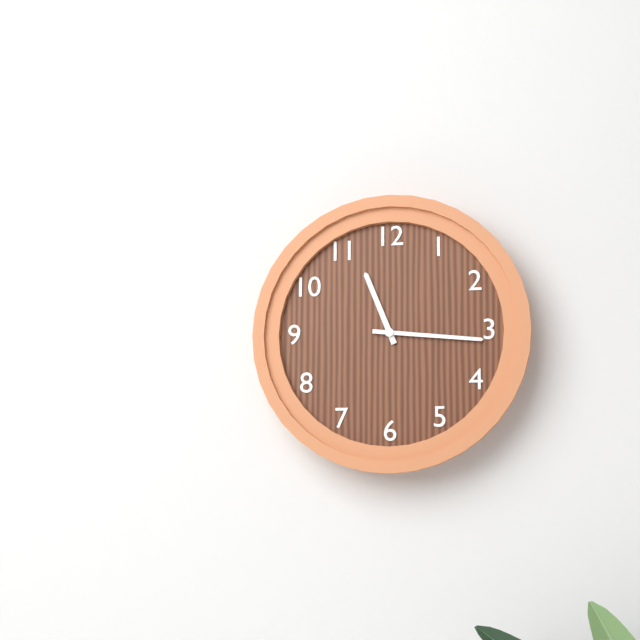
h=11 m=16
